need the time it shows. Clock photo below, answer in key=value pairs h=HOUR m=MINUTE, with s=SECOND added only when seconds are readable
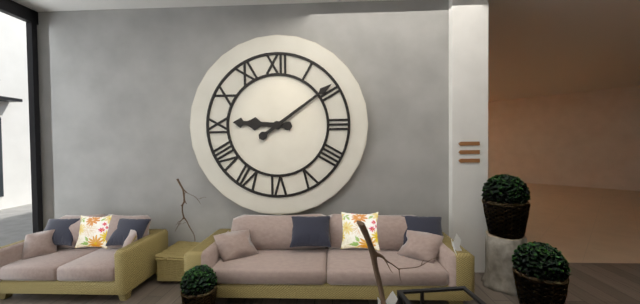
h=9 m=9
